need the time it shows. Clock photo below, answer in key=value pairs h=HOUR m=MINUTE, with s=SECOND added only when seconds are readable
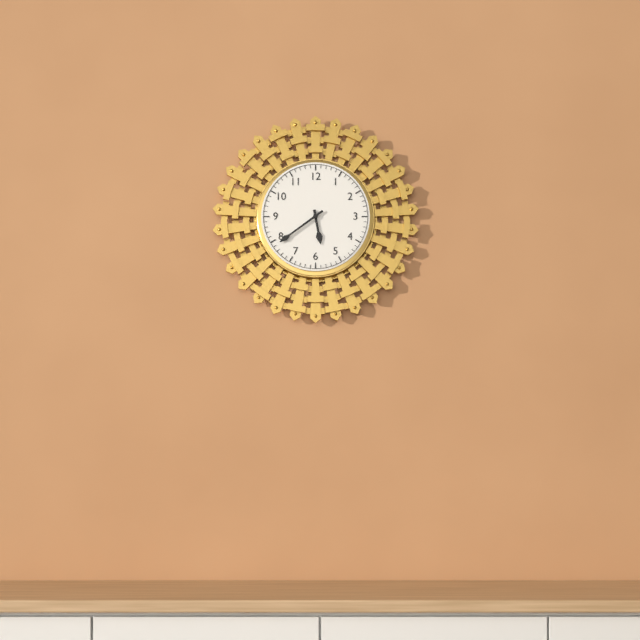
h=5 m=39
